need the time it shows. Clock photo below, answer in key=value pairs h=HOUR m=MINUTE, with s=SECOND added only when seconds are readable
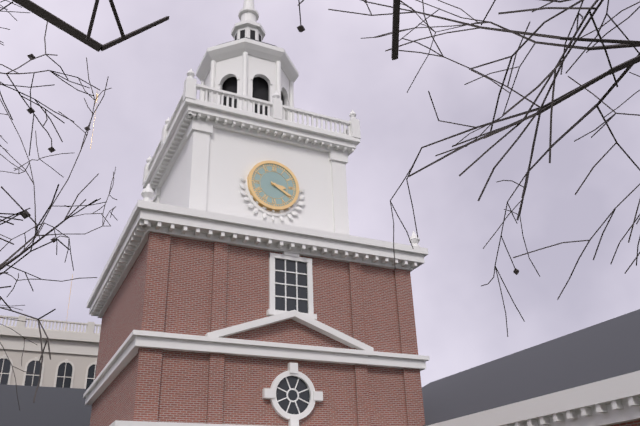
h=3 m=20
